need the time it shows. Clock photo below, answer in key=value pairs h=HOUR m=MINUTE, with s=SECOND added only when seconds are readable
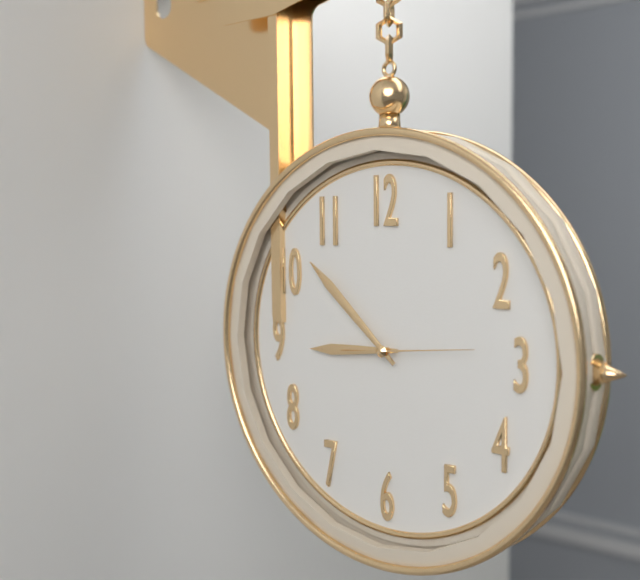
h=8 m=52 s=14
